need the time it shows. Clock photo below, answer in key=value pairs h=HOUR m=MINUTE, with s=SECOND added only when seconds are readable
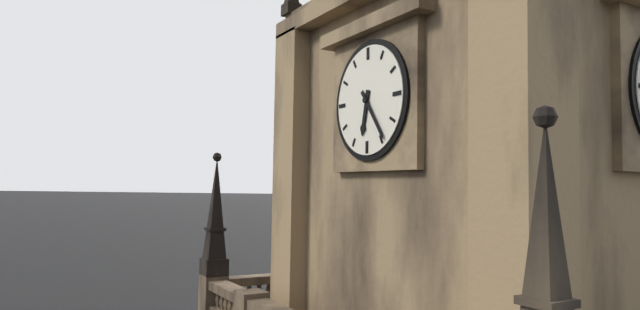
h=6 m=24
